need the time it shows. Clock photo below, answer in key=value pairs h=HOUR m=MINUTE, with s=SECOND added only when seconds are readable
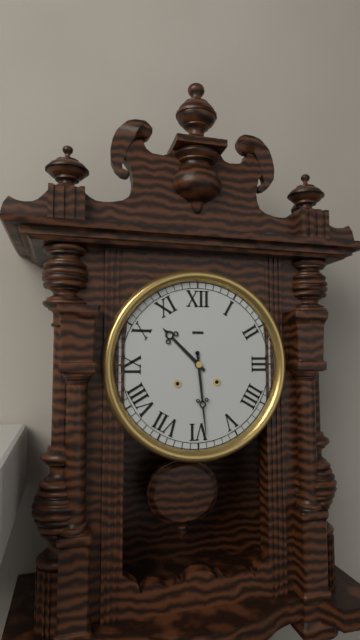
h=10 m=29
